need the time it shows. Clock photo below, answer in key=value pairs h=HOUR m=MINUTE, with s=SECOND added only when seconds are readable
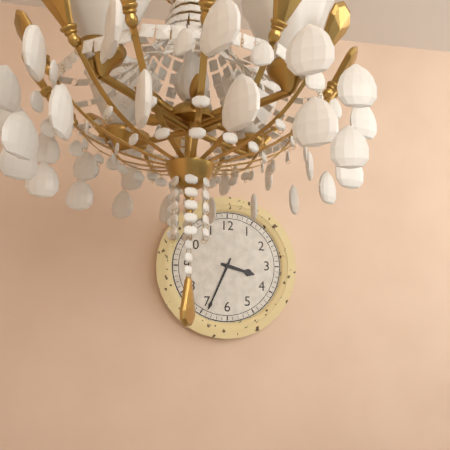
h=3 m=34
